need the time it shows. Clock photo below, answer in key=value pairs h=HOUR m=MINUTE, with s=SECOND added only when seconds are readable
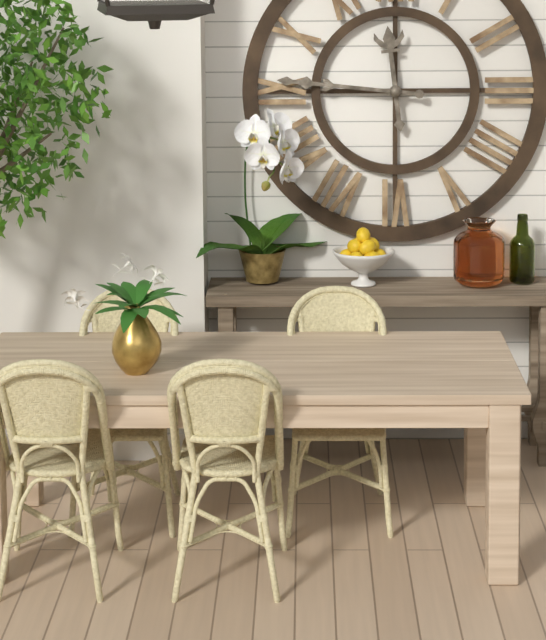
h=11 m=46
